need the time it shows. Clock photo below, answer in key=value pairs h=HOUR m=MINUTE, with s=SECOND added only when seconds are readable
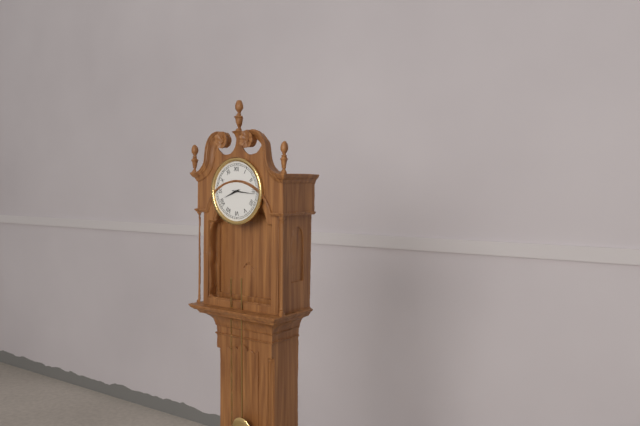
h=8 m=16
